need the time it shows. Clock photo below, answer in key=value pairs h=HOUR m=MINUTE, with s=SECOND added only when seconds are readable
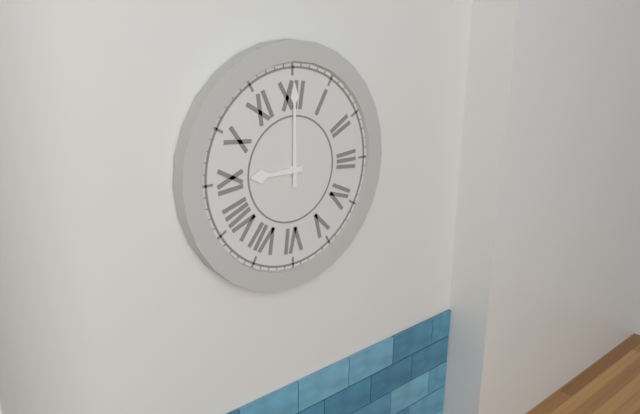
h=9 m=0
